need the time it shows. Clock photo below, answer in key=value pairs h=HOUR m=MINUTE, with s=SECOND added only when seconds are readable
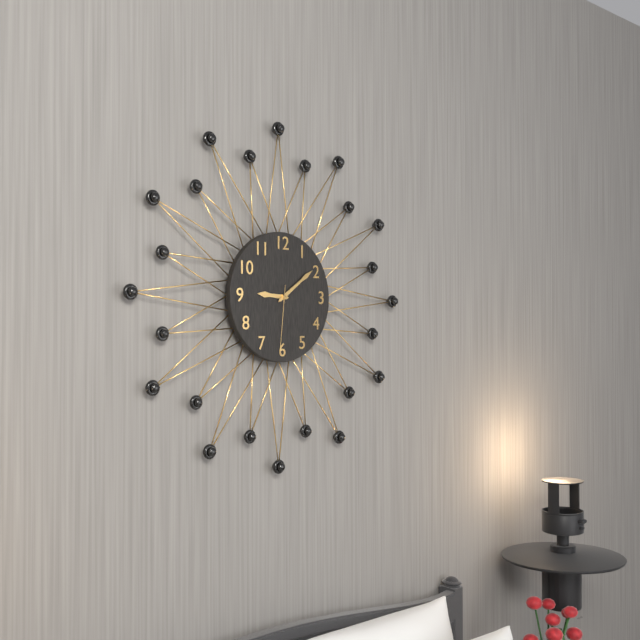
h=9 m=9 s=31
